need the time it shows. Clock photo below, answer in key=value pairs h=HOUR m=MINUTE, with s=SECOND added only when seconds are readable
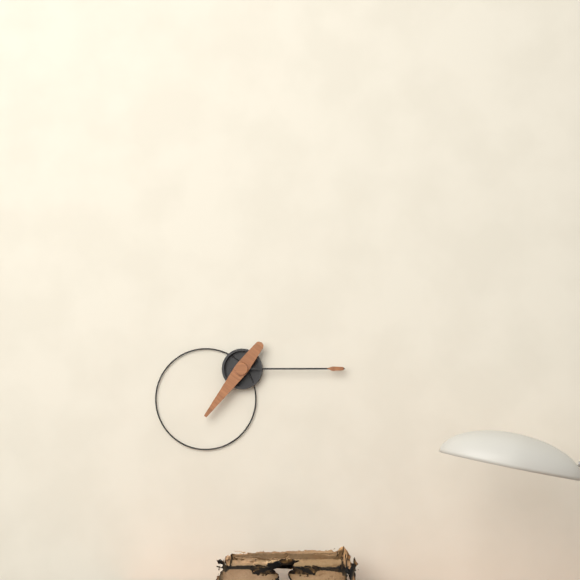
h=7 m=15
